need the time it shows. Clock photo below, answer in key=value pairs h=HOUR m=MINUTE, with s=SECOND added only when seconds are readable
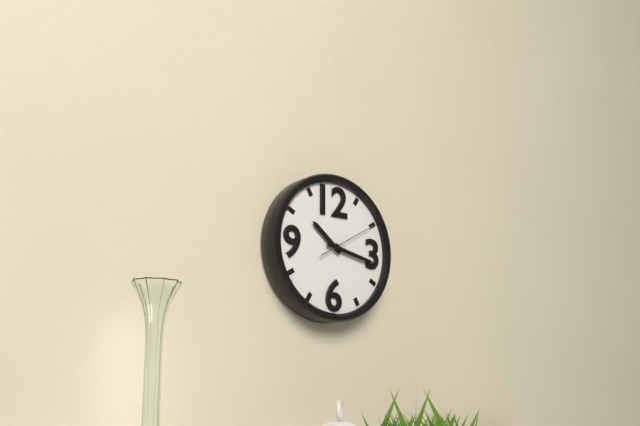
h=10 m=17 s=10
